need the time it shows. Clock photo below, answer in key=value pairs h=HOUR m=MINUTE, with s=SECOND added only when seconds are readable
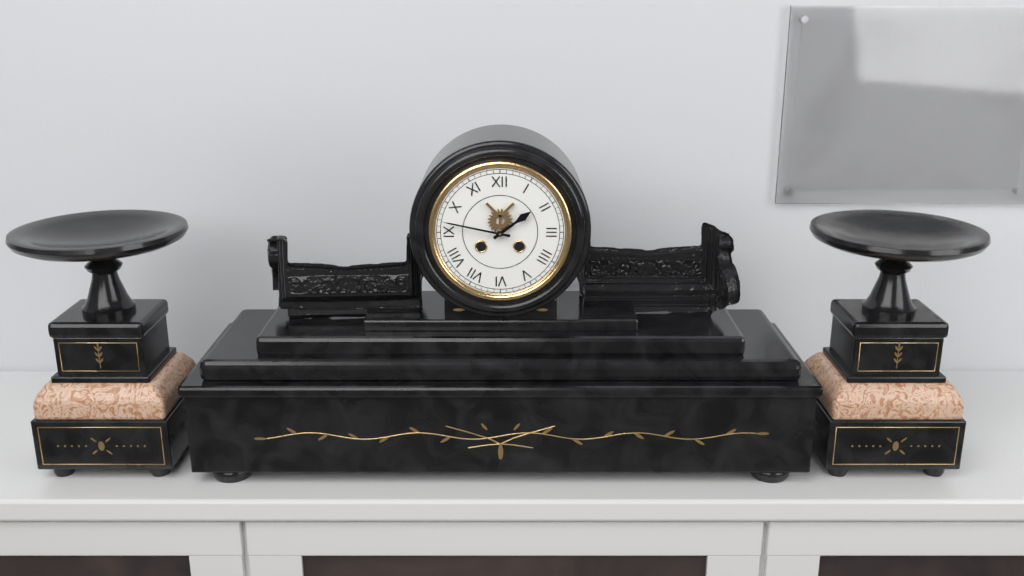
h=1 m=47
